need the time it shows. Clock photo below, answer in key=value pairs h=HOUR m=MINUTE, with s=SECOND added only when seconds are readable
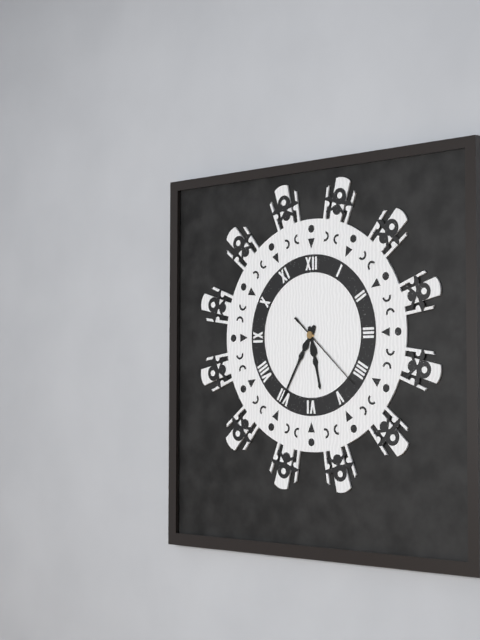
h=5 m=35 s=22
